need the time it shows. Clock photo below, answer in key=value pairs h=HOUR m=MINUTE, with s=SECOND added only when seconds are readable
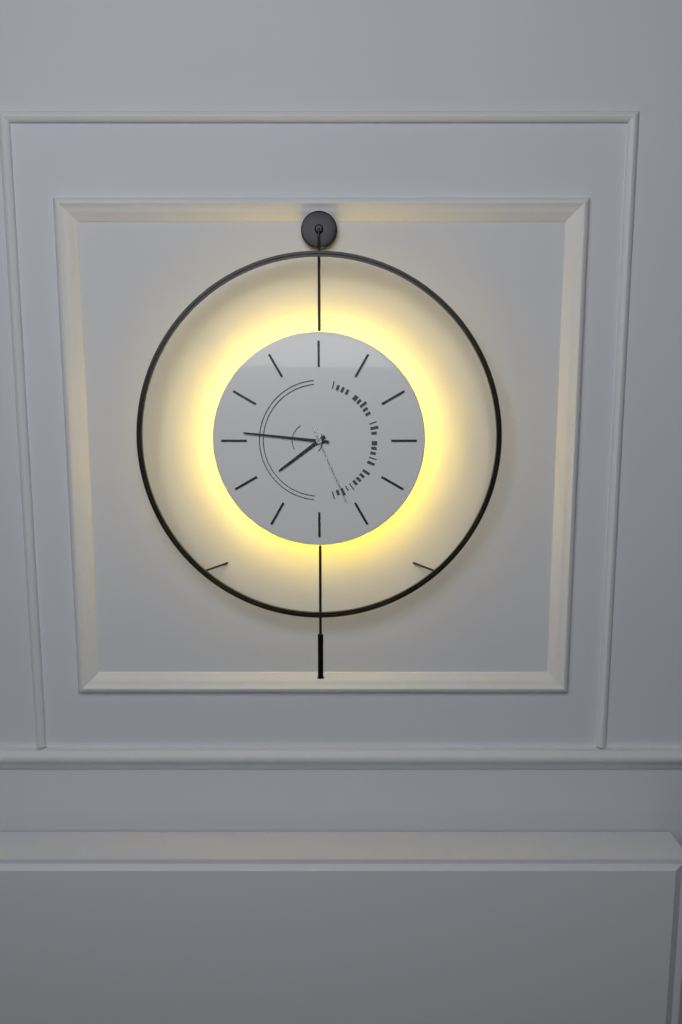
h=7 m=46 s=26
